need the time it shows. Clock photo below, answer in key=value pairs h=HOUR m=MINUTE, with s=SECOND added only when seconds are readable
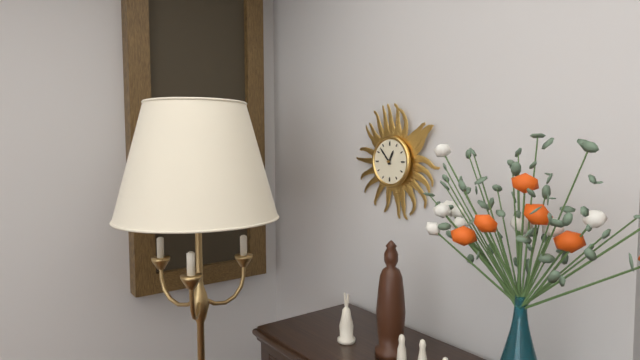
h=12 m=53
